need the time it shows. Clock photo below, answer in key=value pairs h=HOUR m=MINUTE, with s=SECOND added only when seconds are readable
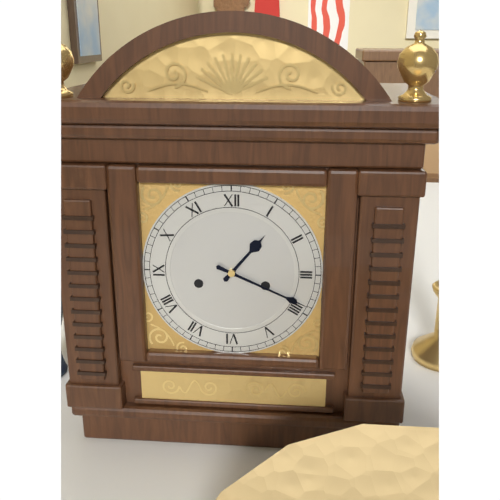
h=1 m=19
